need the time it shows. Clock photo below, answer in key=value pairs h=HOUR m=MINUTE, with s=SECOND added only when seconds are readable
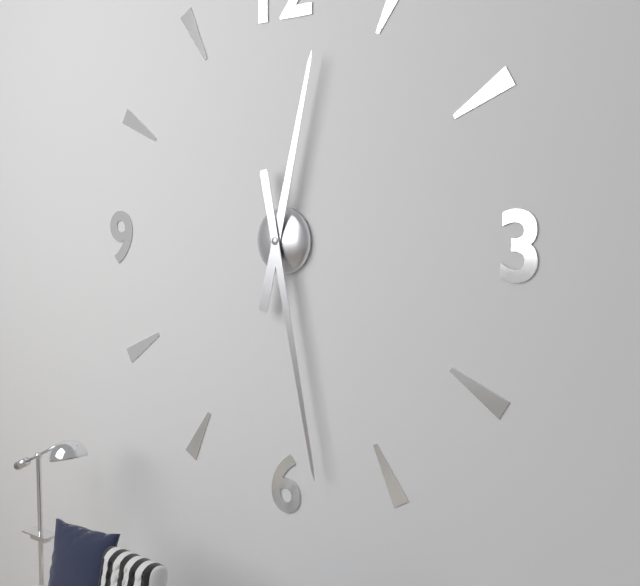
h=12 m=28
